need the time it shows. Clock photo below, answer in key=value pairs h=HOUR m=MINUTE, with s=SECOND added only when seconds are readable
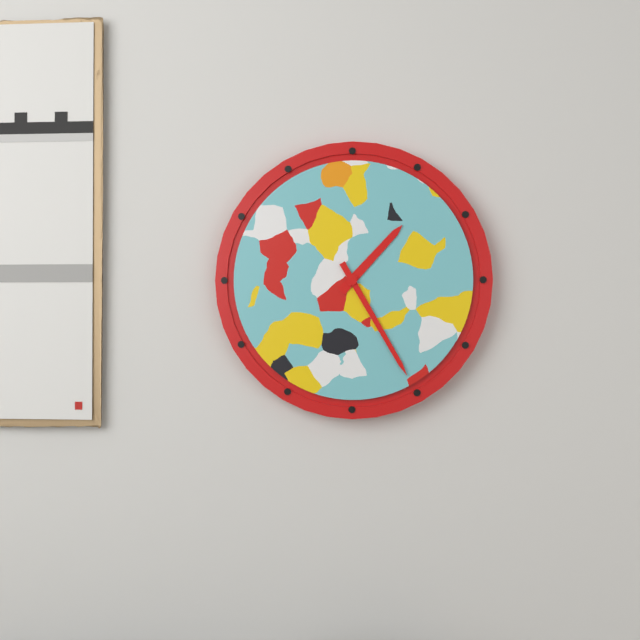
h=1 m=25
